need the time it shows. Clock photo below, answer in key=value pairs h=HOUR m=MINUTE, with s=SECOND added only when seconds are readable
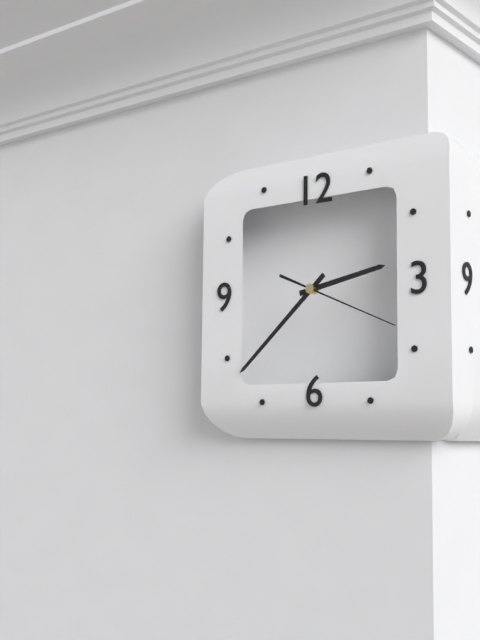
h=2 m=38 s=19
